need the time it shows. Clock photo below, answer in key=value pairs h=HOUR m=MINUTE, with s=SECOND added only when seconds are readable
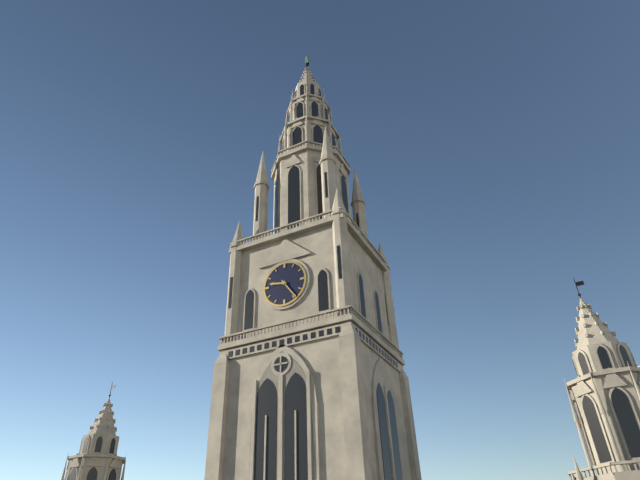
h=9 m=24
